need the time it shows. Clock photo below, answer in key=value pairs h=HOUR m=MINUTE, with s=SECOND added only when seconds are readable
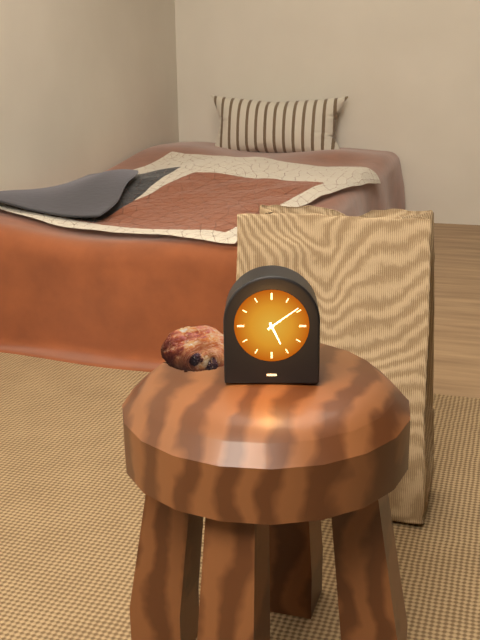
h=5 m=9
